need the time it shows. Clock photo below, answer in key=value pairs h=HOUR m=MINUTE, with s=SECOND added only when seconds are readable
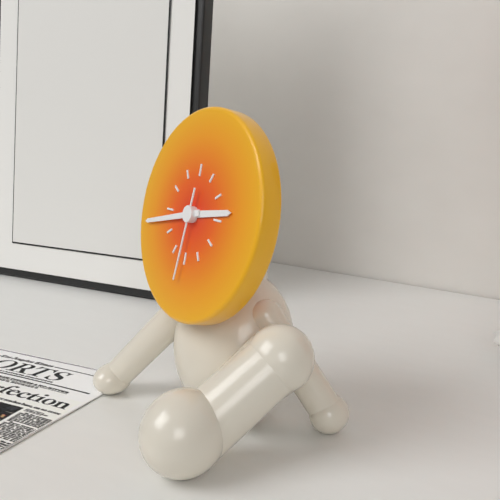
h=2 m=43 s=31
